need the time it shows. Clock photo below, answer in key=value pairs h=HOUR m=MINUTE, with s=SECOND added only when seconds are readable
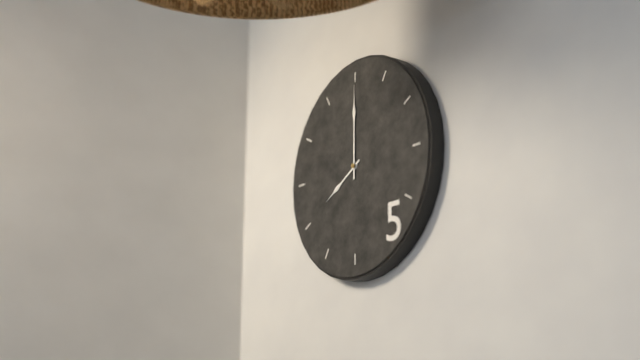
h=8 m=0
